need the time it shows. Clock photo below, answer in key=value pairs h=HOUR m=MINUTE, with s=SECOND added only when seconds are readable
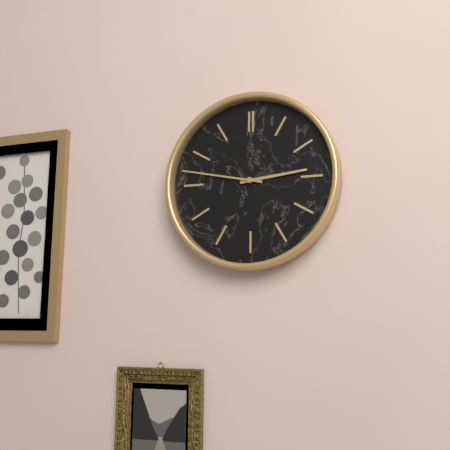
h=2 m=47
